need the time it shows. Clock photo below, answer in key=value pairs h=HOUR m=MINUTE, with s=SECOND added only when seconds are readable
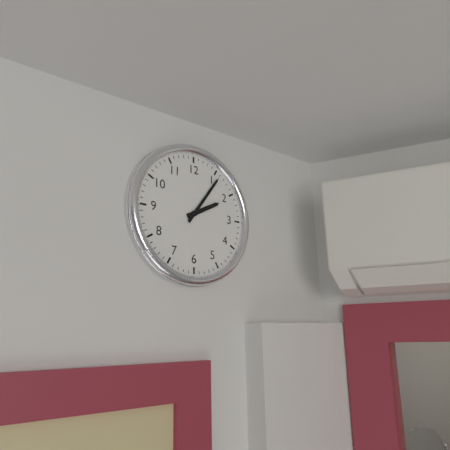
h=2 m=6
